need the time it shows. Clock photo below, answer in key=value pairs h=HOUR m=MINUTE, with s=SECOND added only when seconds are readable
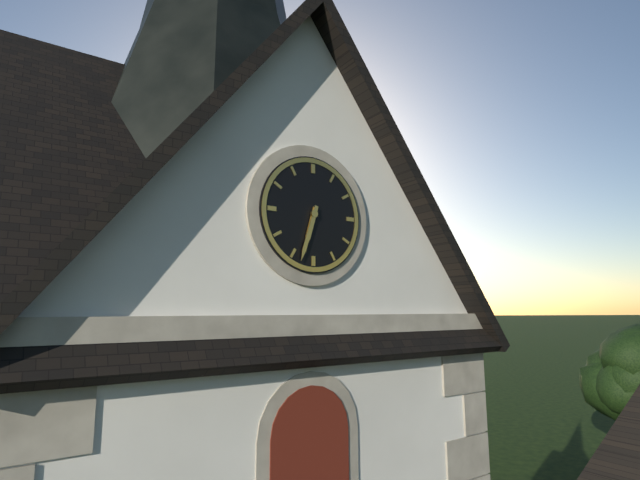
h=6 m=33
